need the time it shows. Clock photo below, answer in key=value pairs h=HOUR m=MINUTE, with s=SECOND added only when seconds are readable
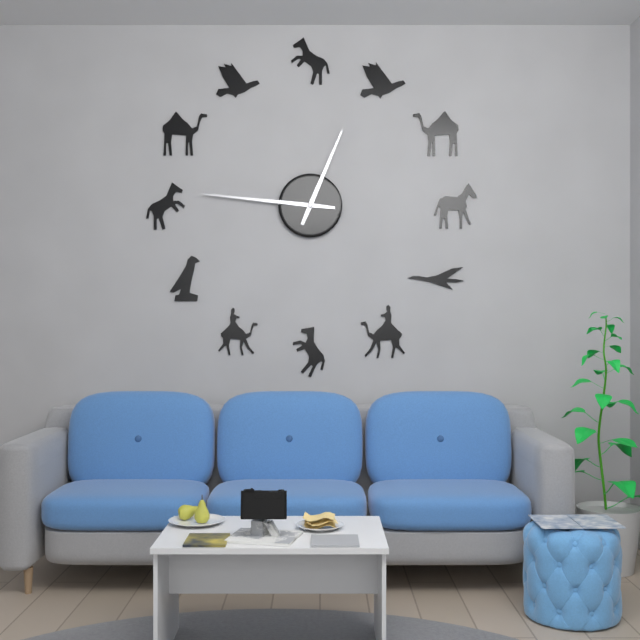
h=12 m=46
